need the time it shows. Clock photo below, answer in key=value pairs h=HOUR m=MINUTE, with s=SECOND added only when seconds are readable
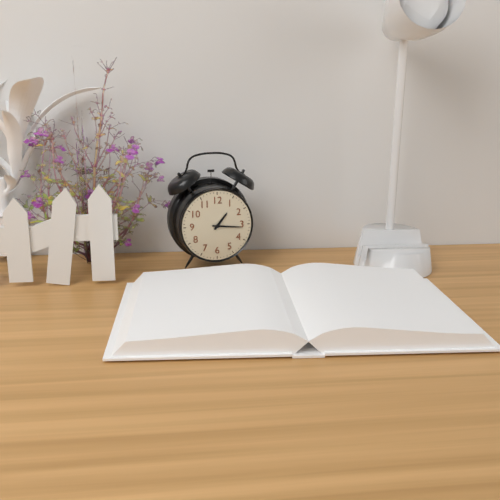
h=1 m=16
